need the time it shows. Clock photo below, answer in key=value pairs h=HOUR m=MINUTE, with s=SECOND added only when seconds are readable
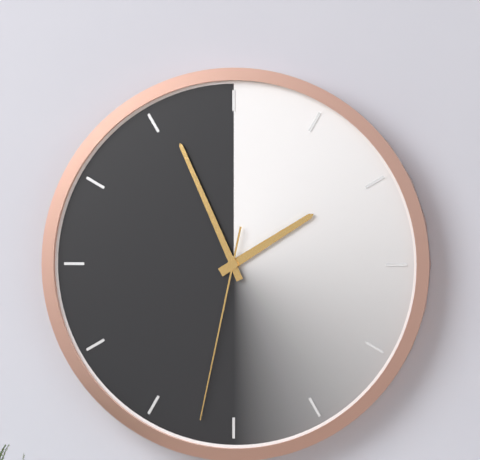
h=1 m=56 s=32
